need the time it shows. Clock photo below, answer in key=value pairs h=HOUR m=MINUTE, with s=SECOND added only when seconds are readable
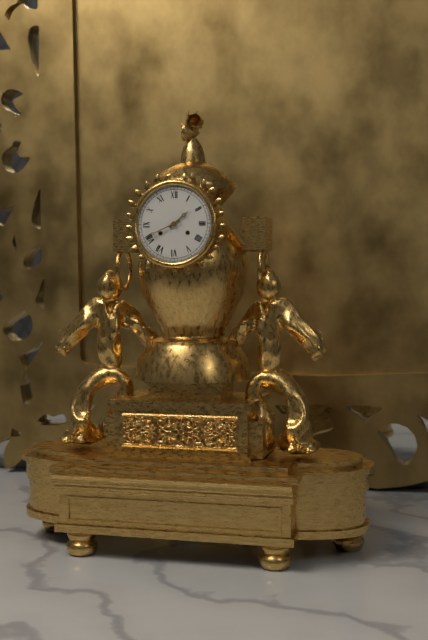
h=1 m=41
